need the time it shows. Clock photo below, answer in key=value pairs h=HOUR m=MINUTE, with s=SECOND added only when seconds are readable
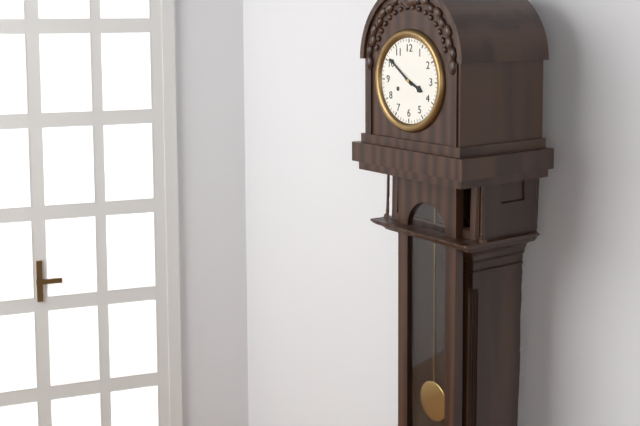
h=3 m=51
